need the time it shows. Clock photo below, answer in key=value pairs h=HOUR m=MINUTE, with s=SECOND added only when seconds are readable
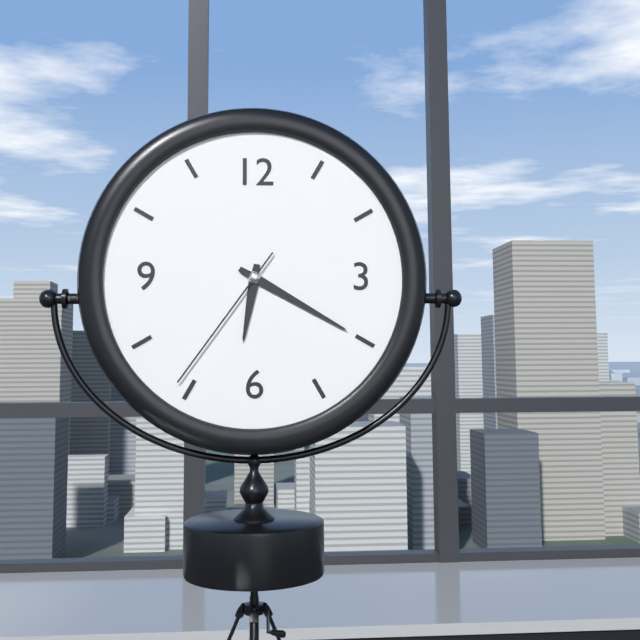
h=6 m=20 s=36
